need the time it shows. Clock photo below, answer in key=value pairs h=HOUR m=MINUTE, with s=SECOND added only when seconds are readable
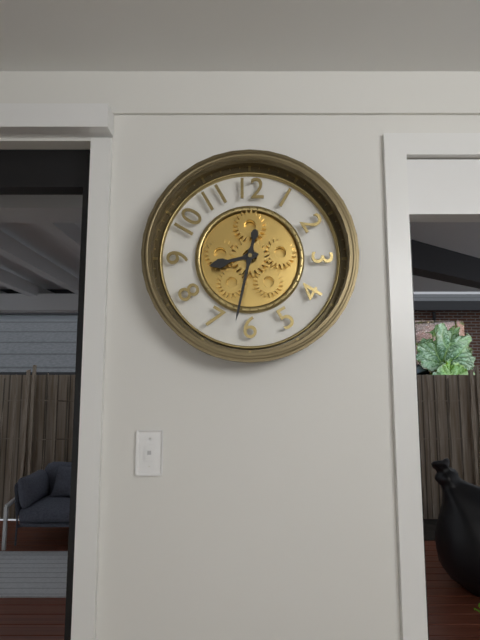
h=8 m=32
